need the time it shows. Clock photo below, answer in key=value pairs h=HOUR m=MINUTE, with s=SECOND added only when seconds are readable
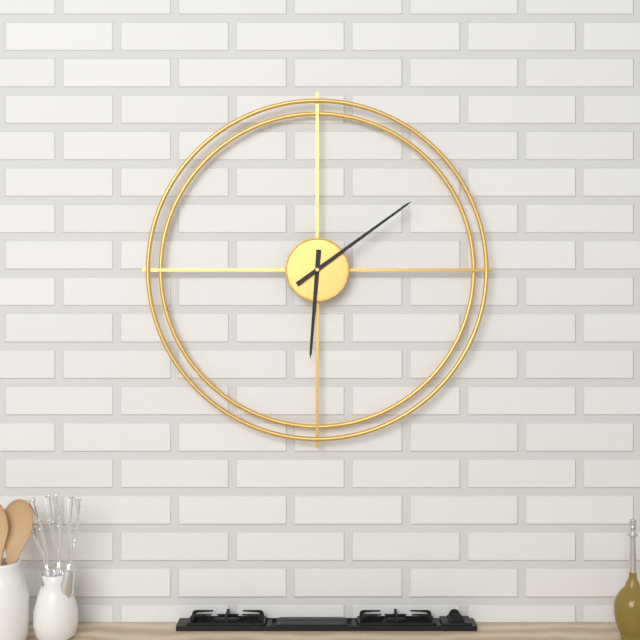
h=6 m=9
